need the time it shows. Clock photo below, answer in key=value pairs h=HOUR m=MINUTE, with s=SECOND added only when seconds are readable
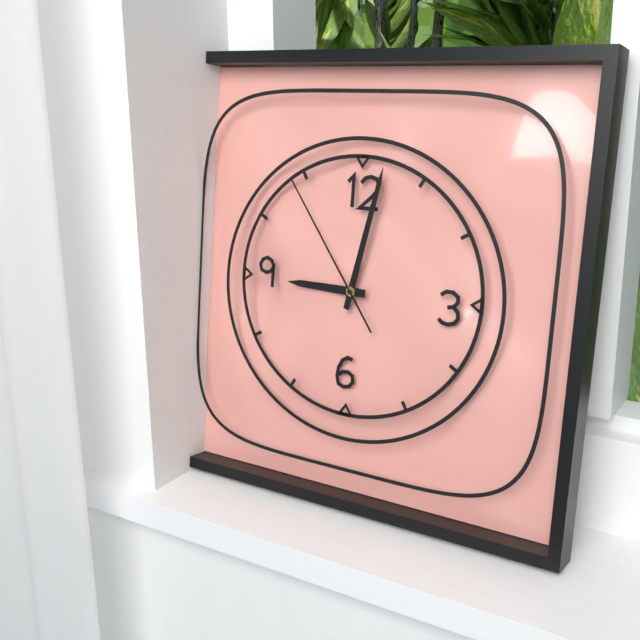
h=9 m=2 s=54
